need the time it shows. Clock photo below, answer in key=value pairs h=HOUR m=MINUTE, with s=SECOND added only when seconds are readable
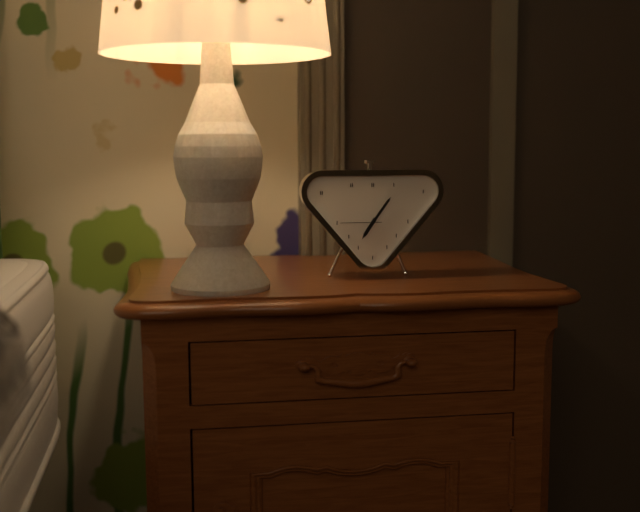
h=7 m=6
